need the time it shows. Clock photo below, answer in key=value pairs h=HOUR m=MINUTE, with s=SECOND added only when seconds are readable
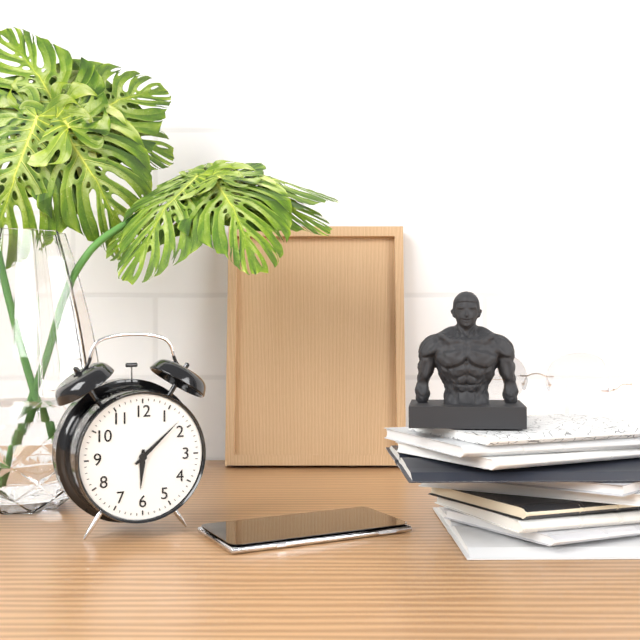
h=6 m=8
